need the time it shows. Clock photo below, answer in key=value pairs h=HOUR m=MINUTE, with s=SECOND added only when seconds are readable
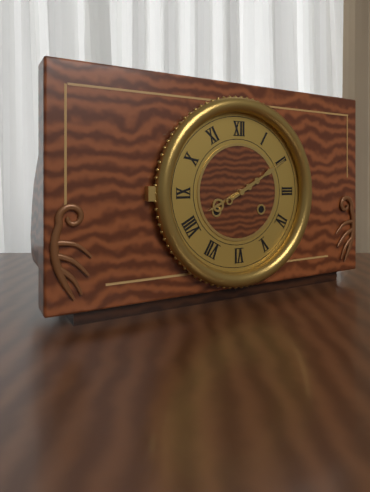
h=8 m=10
